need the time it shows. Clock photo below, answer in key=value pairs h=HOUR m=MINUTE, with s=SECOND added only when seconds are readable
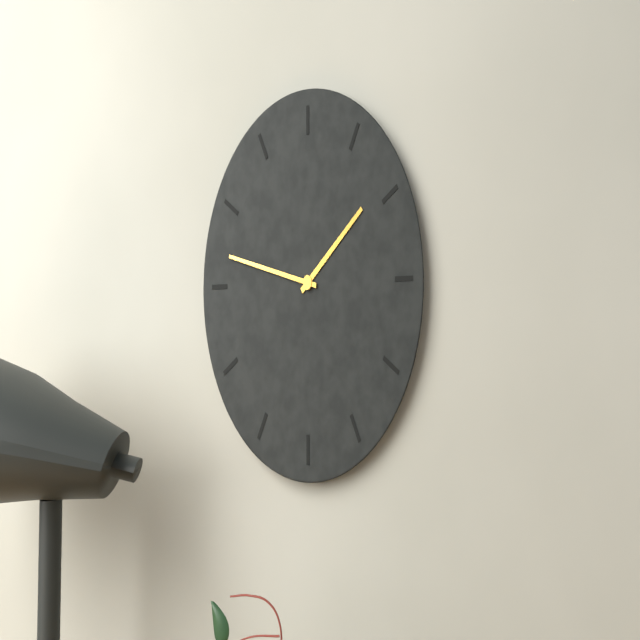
h=1 m=47
